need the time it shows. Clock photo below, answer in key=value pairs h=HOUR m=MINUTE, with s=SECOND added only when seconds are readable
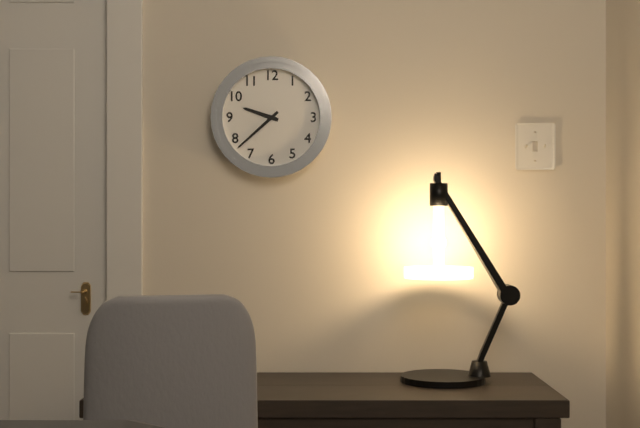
h=9 m=38
